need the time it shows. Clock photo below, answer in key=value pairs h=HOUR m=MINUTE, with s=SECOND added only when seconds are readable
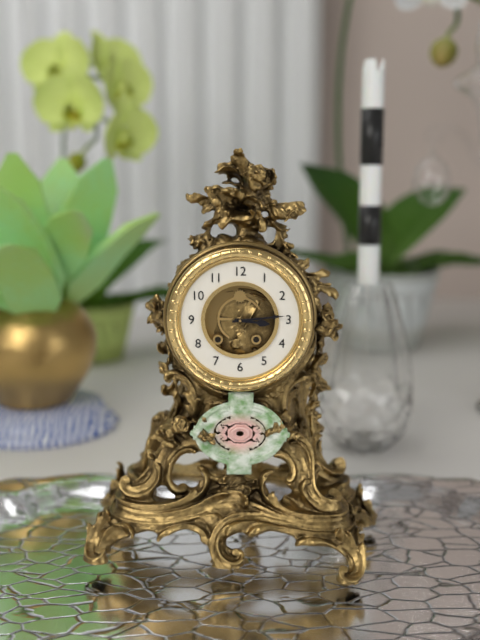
h=3 m=14
